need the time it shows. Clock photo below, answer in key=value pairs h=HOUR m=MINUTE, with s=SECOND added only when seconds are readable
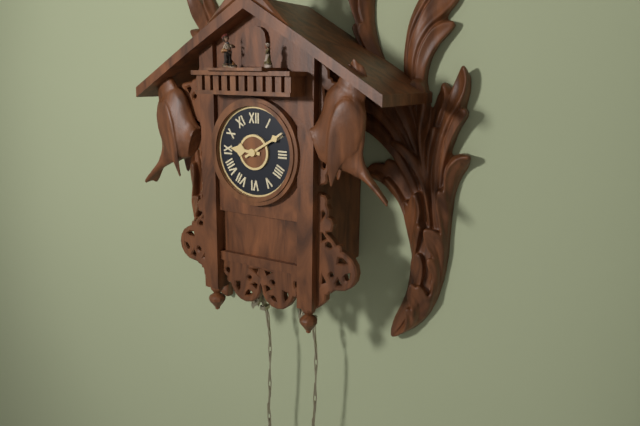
h=9 m=10
